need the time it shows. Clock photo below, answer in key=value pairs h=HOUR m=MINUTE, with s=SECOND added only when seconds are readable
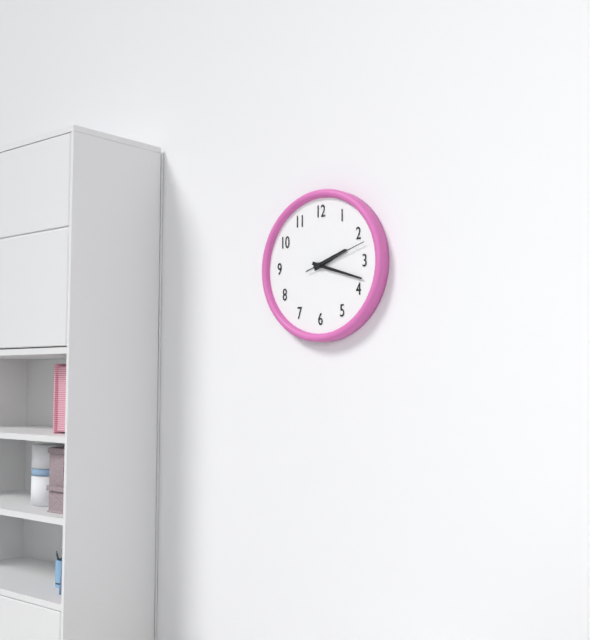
h=2 m=18 s=12
